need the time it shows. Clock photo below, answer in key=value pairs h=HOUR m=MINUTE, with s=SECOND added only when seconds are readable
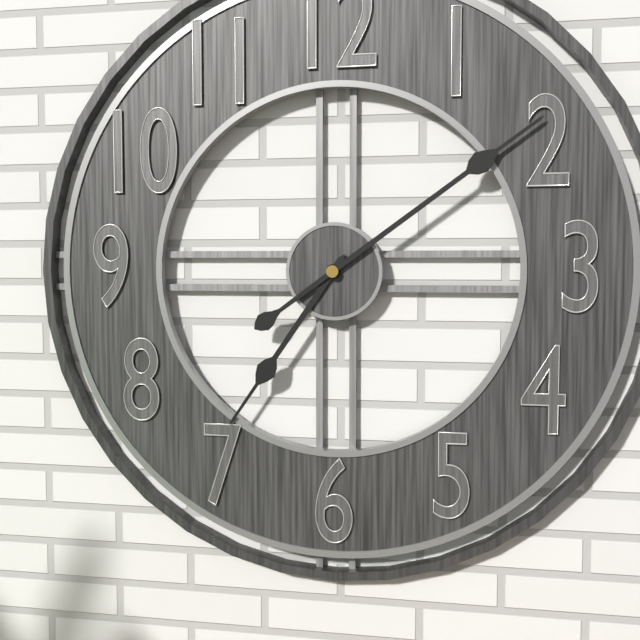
h=7 m=9
